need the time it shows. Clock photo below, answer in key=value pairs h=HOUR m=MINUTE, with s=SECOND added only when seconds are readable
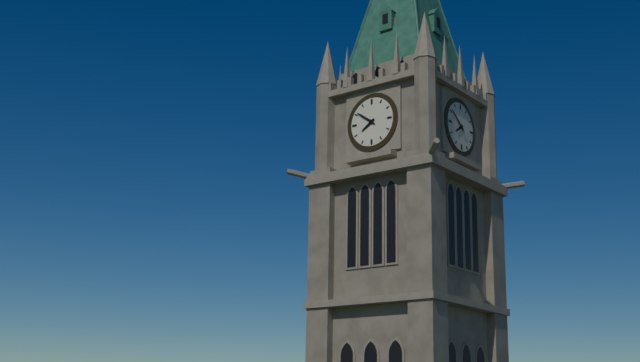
h=7 m=51
